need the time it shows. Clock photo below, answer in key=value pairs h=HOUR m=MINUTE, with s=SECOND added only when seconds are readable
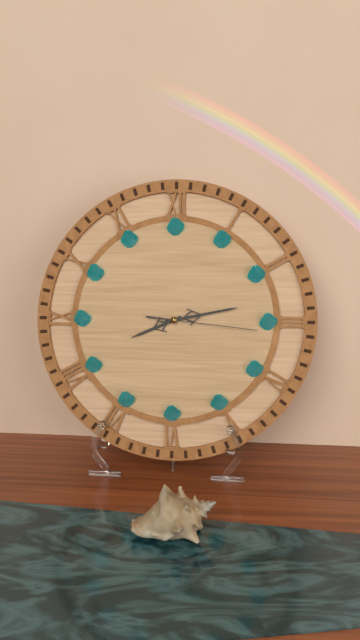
h=8 m=13 s=16
